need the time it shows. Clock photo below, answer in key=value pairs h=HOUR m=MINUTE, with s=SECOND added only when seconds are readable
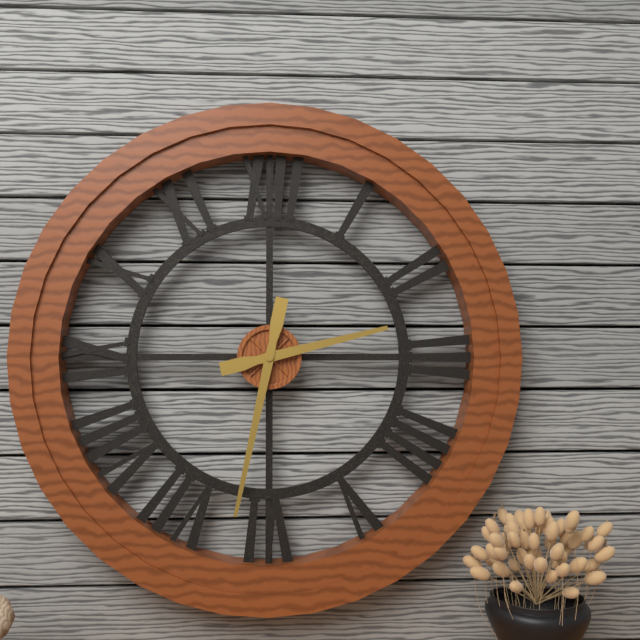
h=2 m=32
